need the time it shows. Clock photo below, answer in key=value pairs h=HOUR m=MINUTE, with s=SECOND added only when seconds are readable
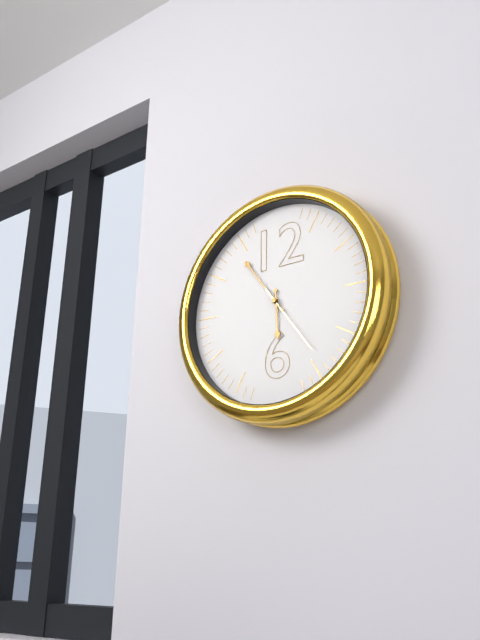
h=5 m=54 s=24
